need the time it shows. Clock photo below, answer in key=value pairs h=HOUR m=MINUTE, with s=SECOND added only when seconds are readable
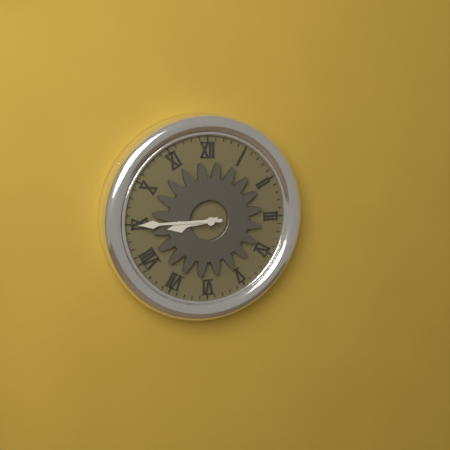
h=8 m=45
